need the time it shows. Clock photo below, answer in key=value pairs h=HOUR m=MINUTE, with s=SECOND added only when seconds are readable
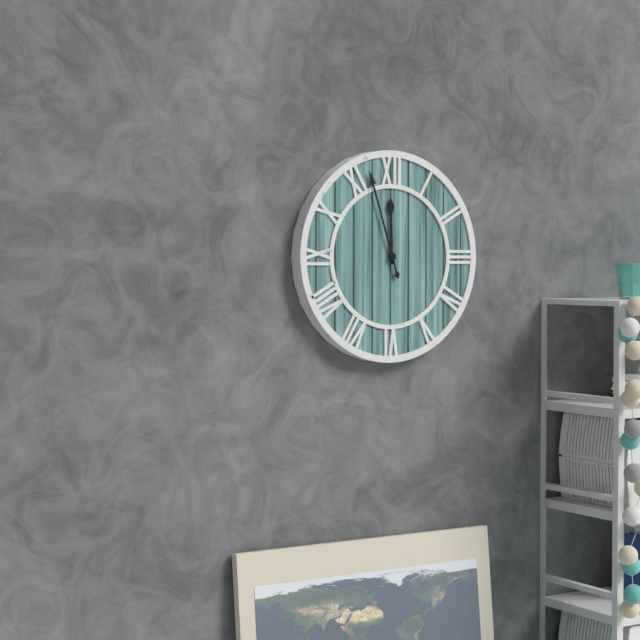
h=11 m=57
